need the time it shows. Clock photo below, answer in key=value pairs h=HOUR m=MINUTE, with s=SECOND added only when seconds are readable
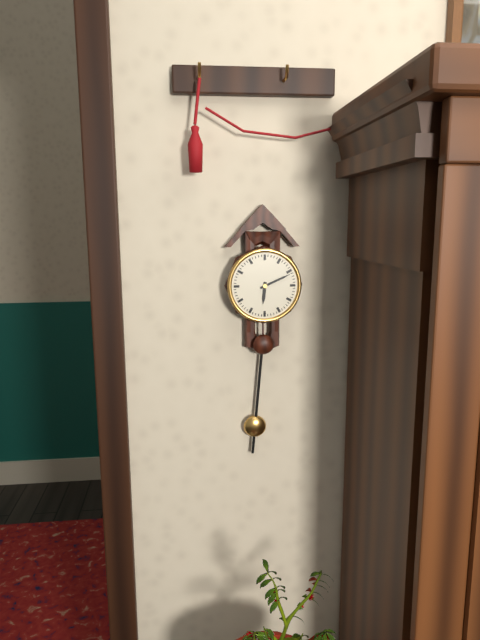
h=6 m=11
